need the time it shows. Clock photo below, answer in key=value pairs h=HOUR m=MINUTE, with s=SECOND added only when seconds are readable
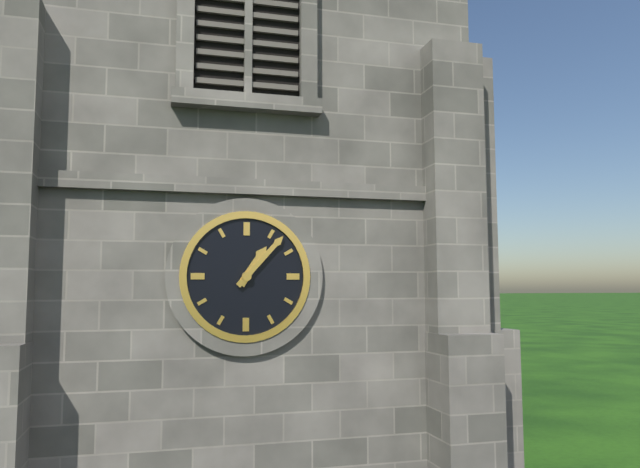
h=1 m=7
